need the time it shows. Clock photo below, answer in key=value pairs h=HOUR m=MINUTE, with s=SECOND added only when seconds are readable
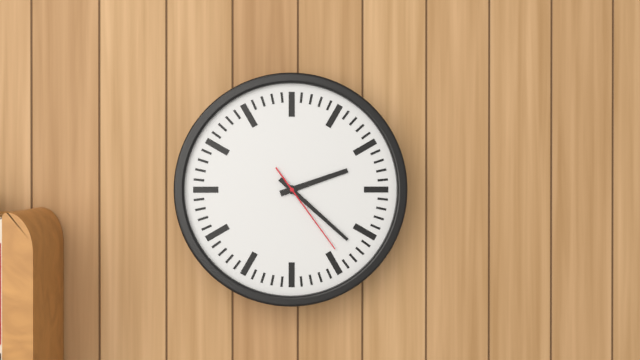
h=2 m=22 s=24
